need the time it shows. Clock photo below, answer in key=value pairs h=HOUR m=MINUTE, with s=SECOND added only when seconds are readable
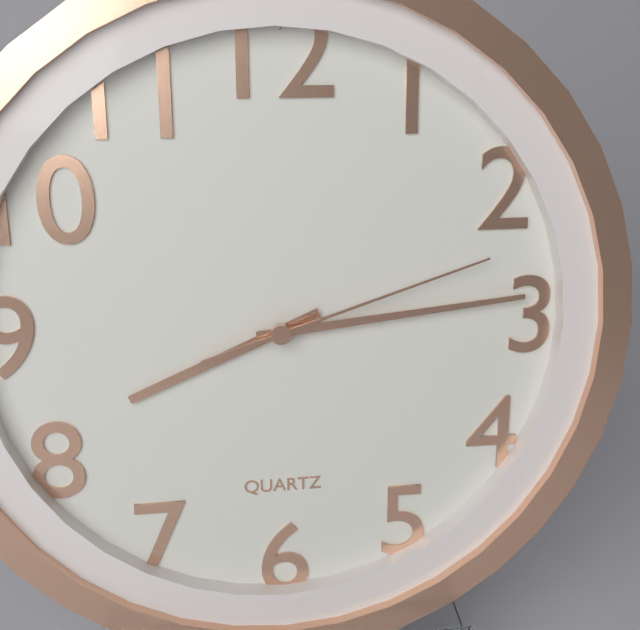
h=8 m=14 s=12
